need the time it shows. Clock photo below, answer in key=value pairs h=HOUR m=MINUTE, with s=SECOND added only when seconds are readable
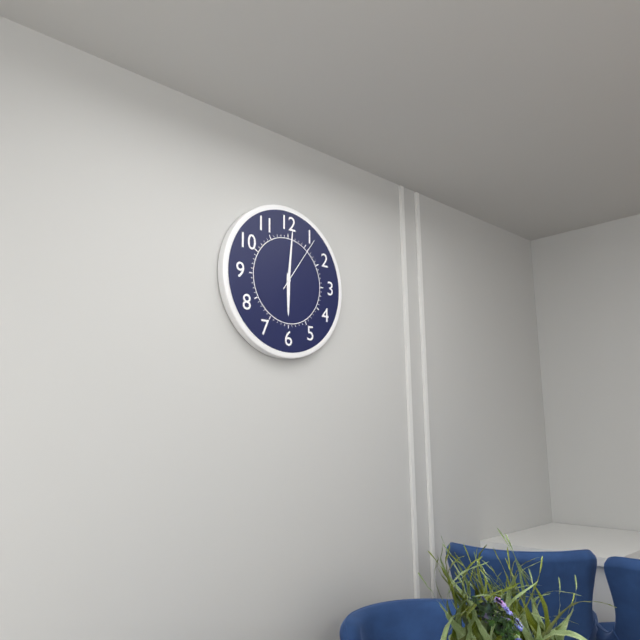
h=6 m=1 s=6
